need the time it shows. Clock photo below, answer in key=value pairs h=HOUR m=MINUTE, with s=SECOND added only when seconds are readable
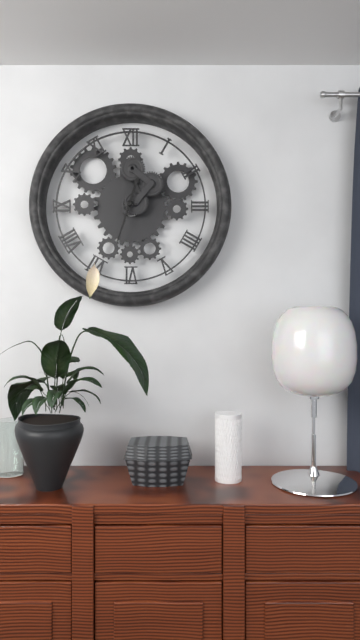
h=12 m=33
